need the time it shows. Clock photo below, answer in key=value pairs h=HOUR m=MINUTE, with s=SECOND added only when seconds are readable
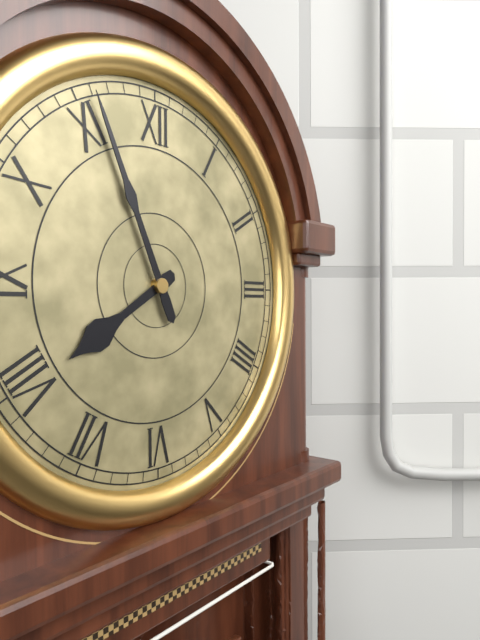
h=7 m=56
